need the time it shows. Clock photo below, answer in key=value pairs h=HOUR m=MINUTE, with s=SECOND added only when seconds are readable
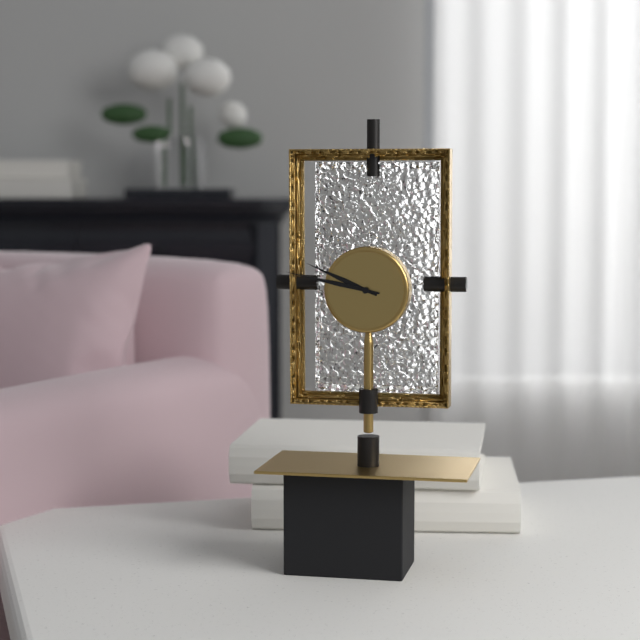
h=9 m=47
